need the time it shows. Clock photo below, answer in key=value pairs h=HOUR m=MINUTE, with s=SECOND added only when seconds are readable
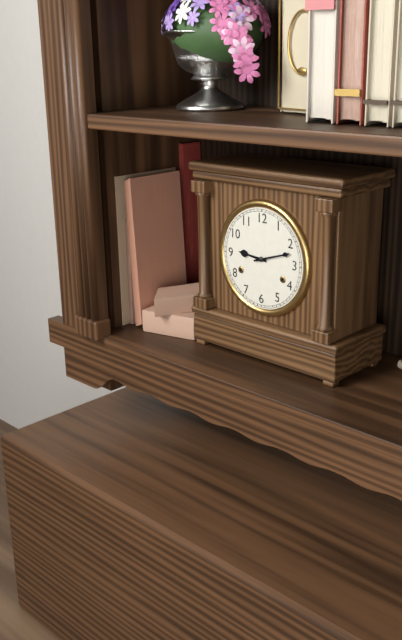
h=9 m=12
